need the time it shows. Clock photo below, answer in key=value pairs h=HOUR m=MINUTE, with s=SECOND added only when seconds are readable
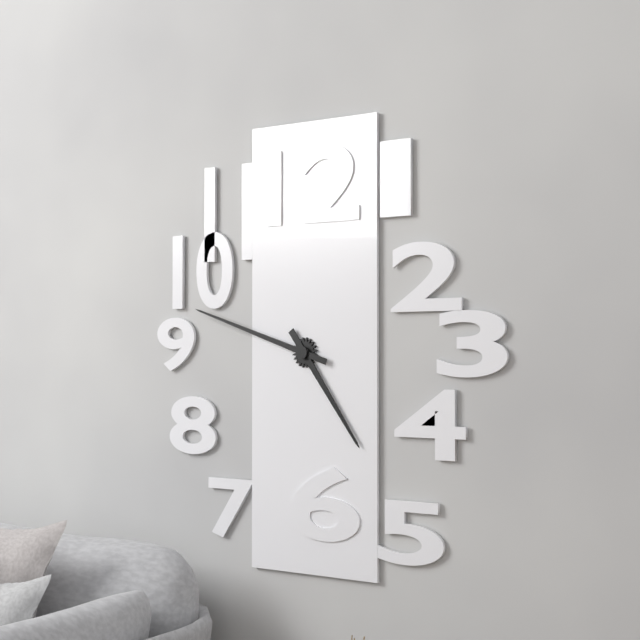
h=4 m=48
